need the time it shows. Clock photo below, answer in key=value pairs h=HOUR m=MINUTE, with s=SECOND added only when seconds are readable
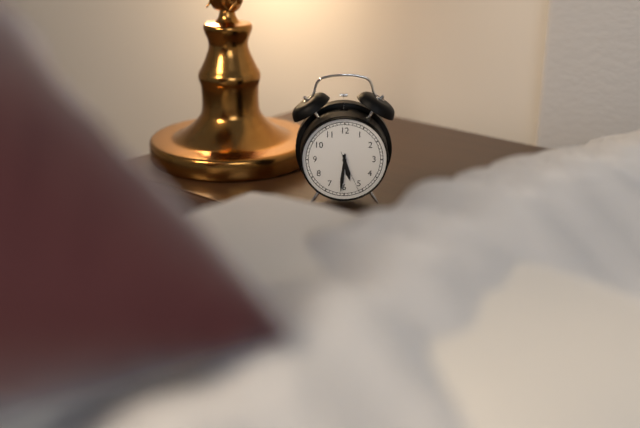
h=5 m=31
